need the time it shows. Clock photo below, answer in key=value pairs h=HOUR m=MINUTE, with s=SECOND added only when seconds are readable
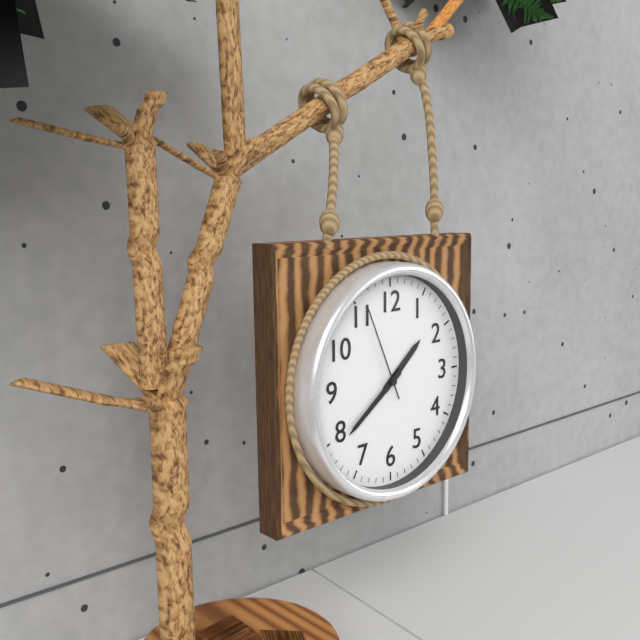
h=1 m=39 s=56
